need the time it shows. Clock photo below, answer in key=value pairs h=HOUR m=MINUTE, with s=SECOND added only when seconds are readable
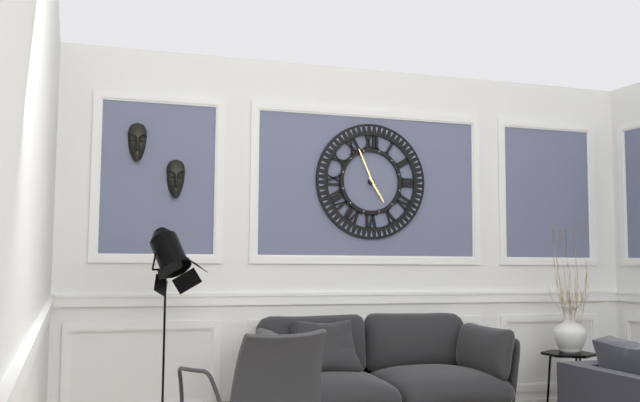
h=4 m=56
